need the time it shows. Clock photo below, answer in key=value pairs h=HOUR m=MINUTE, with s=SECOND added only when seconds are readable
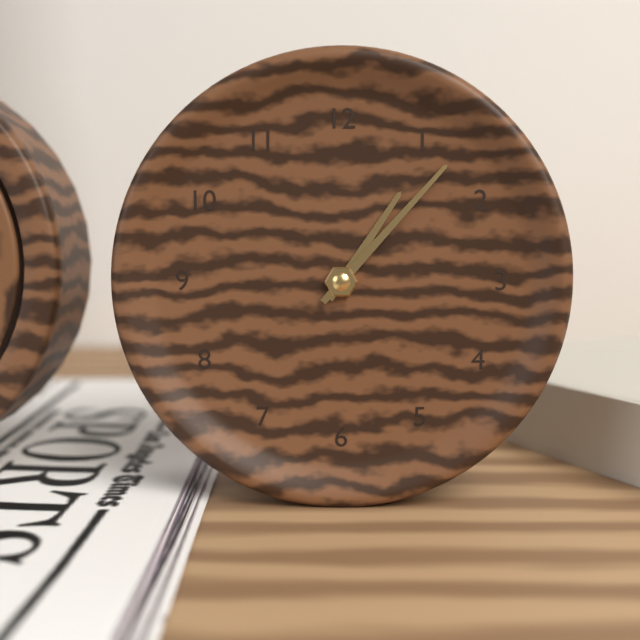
h=1 m=7
